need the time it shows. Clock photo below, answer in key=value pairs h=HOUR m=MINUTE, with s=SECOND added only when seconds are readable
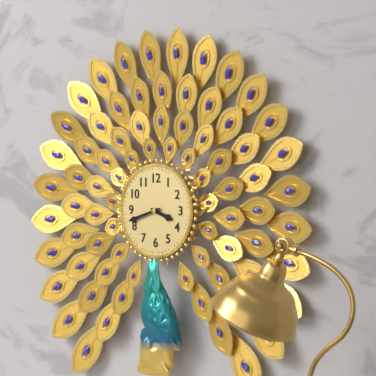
h=3 m=42
